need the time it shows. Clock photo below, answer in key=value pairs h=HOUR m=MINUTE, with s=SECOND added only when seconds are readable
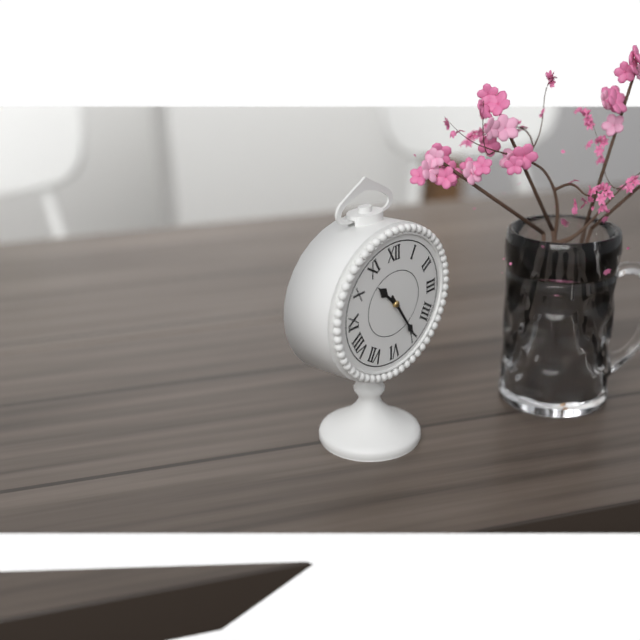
h=10 m=24
